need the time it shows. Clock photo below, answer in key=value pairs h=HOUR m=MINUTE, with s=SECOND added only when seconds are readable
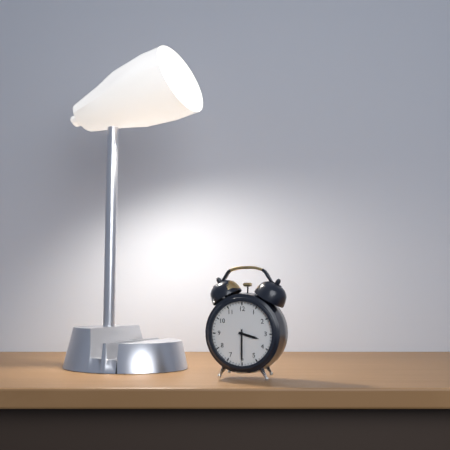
h=3 m=30
